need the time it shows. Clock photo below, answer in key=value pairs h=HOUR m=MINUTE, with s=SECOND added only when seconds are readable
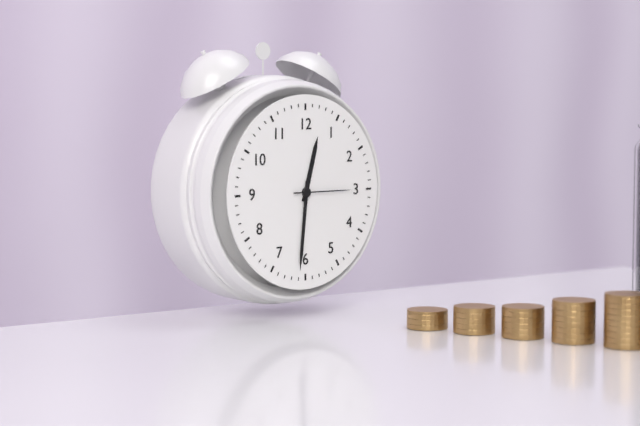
h=12 m=31 s=15
